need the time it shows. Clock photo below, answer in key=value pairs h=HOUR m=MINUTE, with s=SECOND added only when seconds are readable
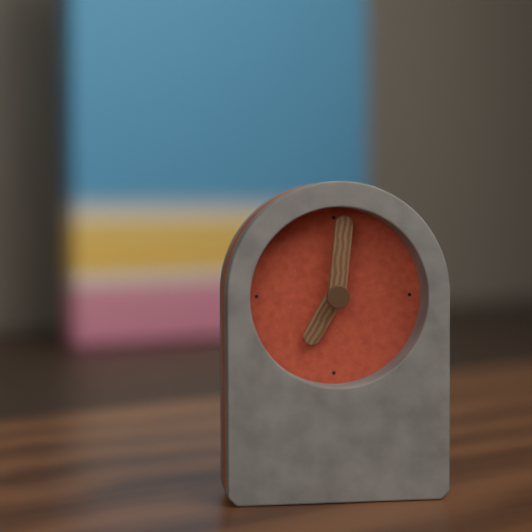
h=7 m=1
